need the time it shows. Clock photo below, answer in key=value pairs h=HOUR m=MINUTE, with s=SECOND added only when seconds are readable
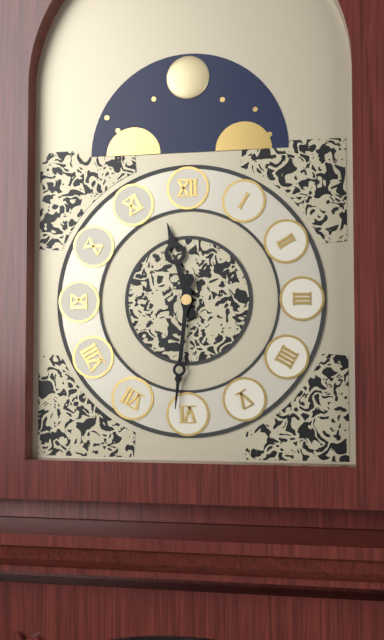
h=11 m=31
